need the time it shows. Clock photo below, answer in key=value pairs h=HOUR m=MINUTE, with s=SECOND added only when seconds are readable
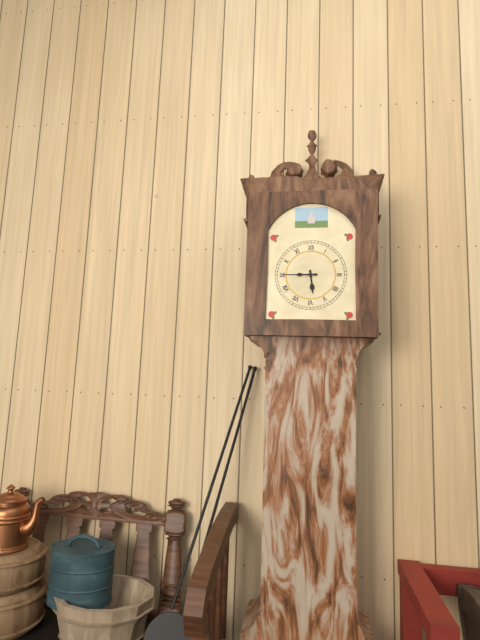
h=5 m=45
